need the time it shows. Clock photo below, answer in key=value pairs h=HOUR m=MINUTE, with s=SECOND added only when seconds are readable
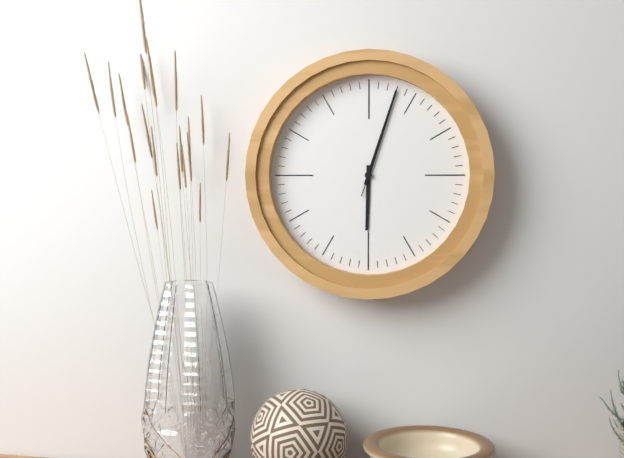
h=6 m=3 s=3
